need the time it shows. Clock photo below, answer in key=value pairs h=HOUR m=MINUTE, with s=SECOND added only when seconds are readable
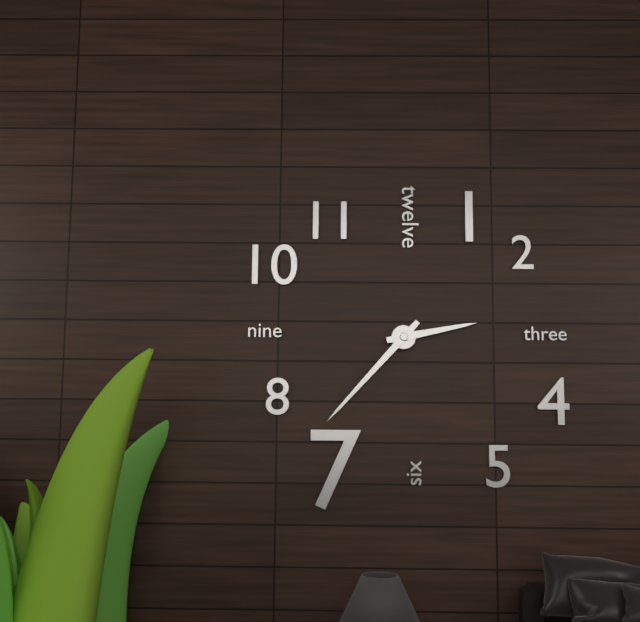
h=2 m=37
